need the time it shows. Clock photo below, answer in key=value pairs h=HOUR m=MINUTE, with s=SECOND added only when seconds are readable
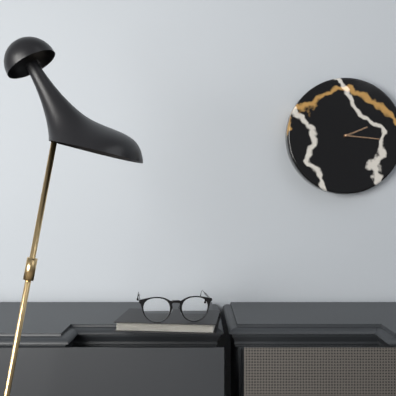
h=2 m=16
